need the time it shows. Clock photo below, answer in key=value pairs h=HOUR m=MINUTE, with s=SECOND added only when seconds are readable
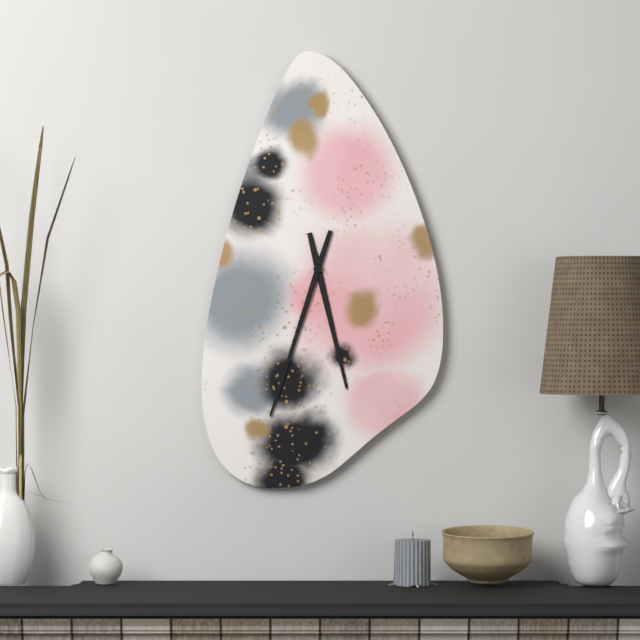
h=5 m=33
